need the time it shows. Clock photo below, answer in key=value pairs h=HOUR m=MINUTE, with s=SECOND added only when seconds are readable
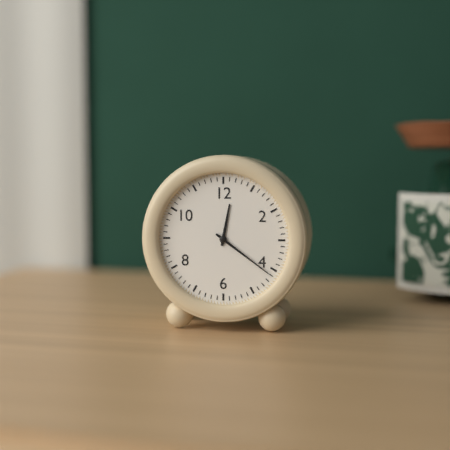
h=12 m=21
